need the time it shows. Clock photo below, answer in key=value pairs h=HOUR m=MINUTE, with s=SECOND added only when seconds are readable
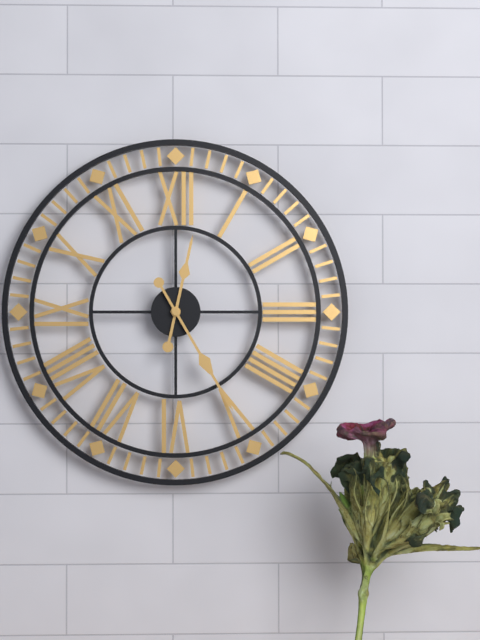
h=12 m=25
